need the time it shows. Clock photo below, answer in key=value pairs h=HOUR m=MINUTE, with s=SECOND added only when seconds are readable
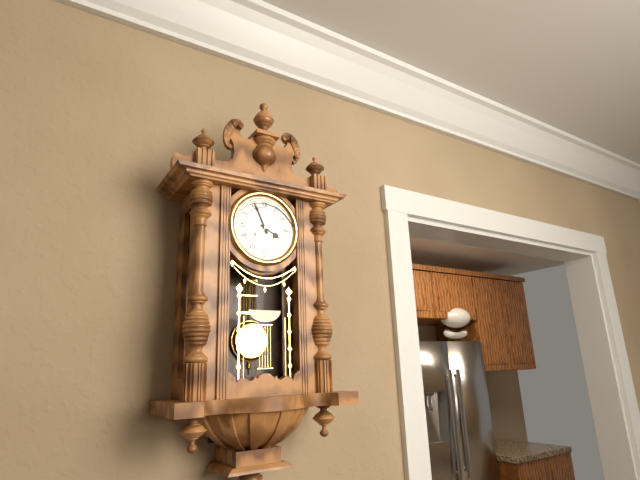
h=3 m=56
